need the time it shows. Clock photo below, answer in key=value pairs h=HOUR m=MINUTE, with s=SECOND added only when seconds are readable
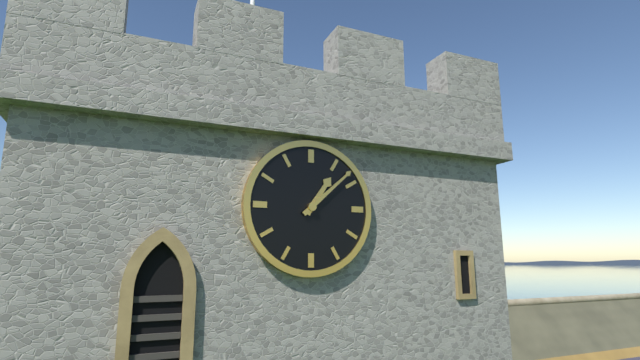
h=1 m=8
